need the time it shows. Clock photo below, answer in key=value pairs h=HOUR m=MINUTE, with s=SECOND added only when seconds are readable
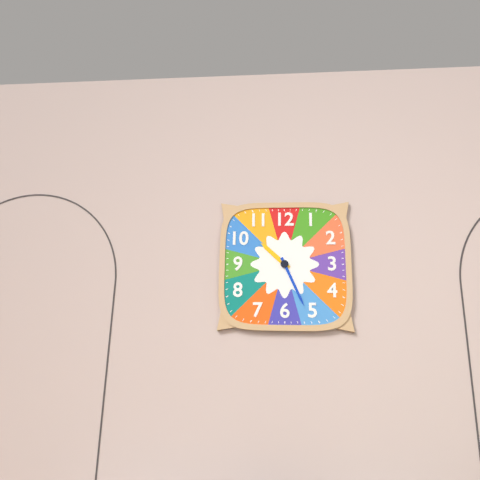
h=10 m=26
